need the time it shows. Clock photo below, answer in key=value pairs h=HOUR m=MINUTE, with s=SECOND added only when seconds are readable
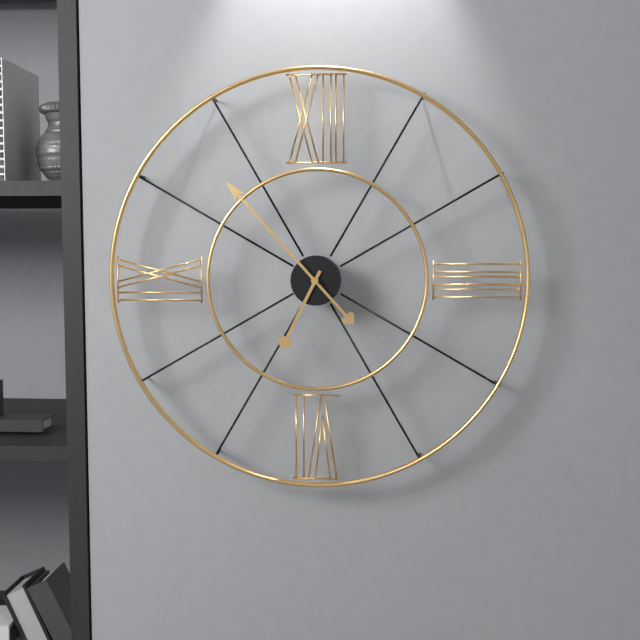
h=6 m=53
